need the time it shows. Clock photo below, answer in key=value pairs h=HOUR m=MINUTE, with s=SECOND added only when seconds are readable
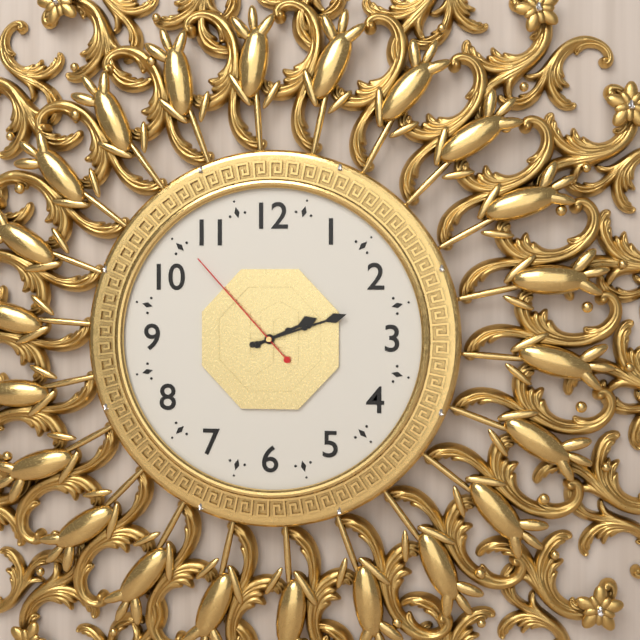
h=2 m=12 s=53
